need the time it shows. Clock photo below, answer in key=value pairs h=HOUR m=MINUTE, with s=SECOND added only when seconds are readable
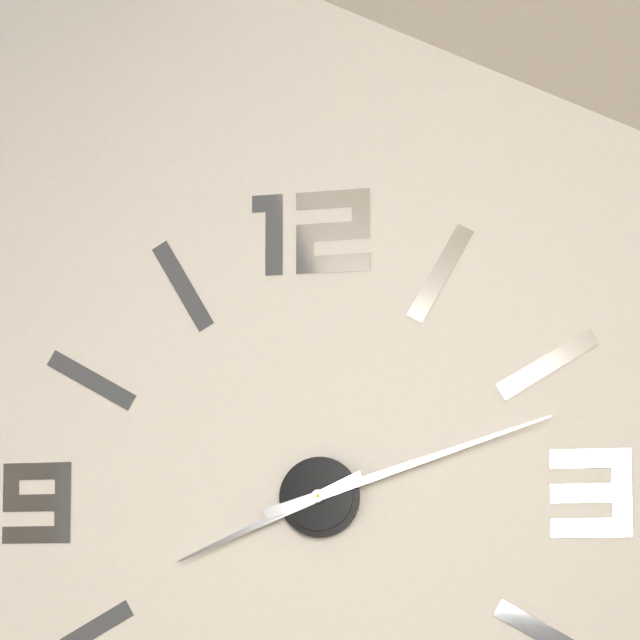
h=8 m=12
